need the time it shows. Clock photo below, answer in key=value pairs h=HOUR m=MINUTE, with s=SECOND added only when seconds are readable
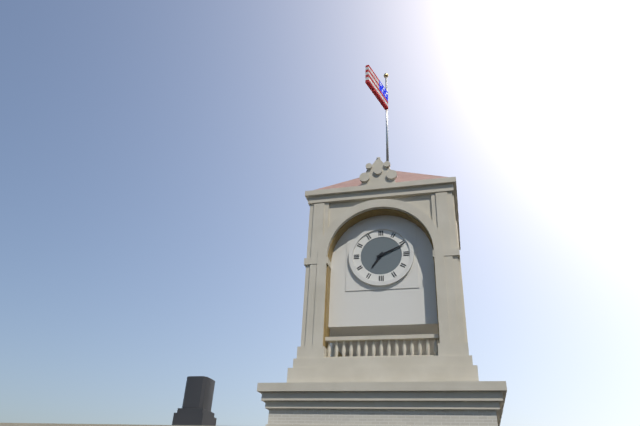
h=7 m=11
